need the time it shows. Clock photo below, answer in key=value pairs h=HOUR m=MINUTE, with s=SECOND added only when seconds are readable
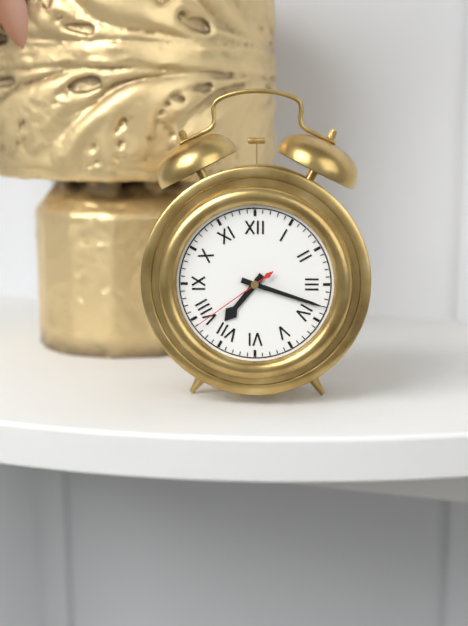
h=7 m=18 s=39
